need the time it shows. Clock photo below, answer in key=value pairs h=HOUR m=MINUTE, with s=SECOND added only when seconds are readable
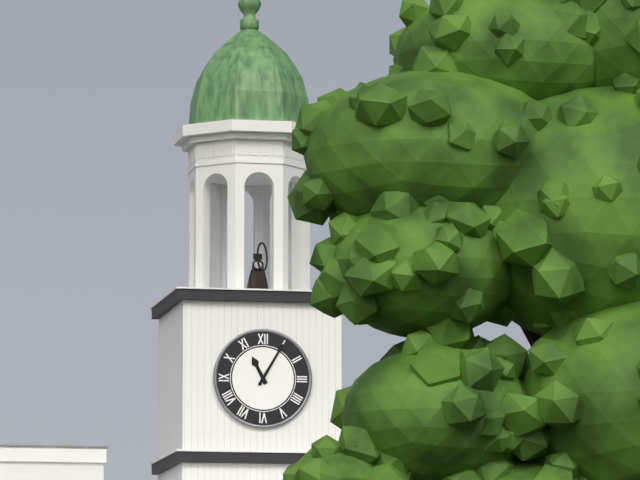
h=11 m=5
